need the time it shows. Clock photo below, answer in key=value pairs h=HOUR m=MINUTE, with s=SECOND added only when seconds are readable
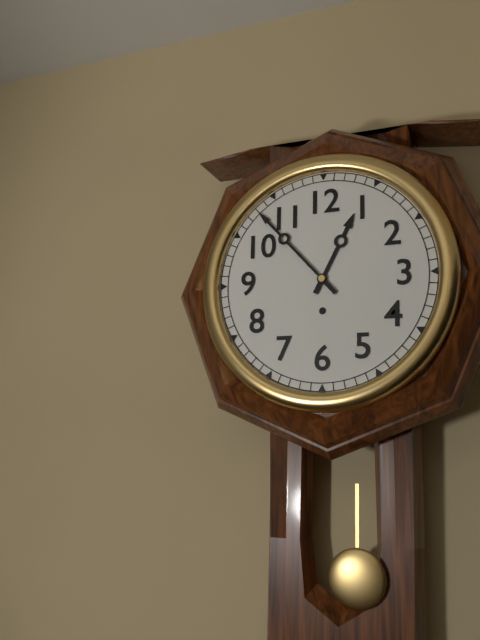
h=12 m=53
